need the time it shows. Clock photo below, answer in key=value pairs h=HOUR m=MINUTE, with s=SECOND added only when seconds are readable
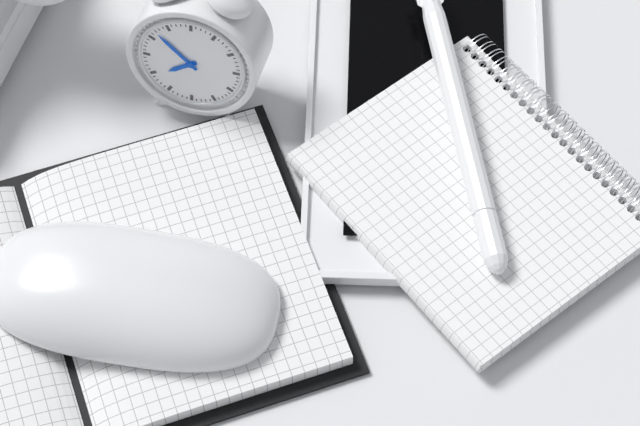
h=7 m=52
